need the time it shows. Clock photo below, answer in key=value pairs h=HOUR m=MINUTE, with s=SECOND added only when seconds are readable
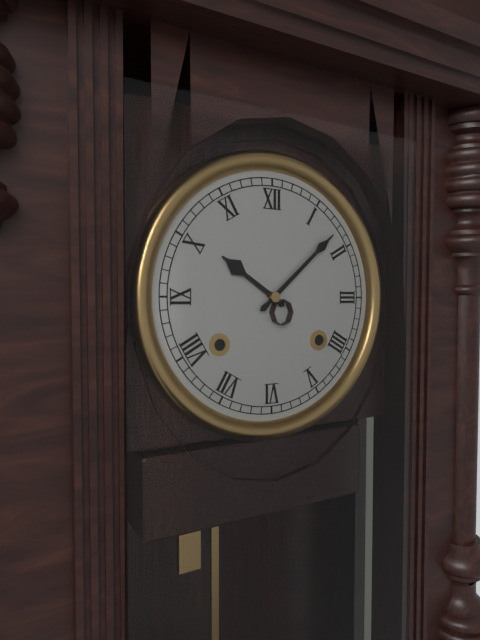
h=10 m=8
